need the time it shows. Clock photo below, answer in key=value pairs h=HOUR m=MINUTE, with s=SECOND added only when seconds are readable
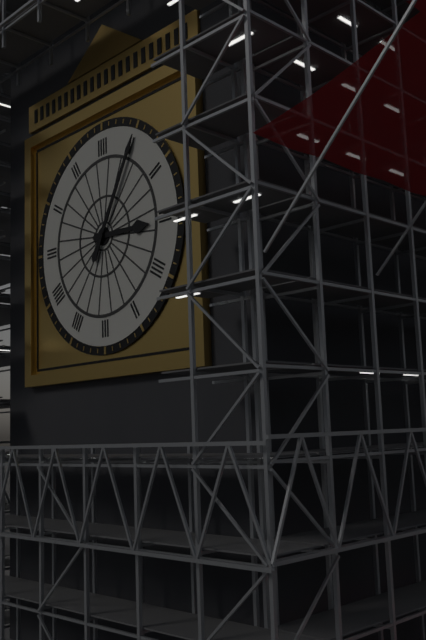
h=3 m=5
